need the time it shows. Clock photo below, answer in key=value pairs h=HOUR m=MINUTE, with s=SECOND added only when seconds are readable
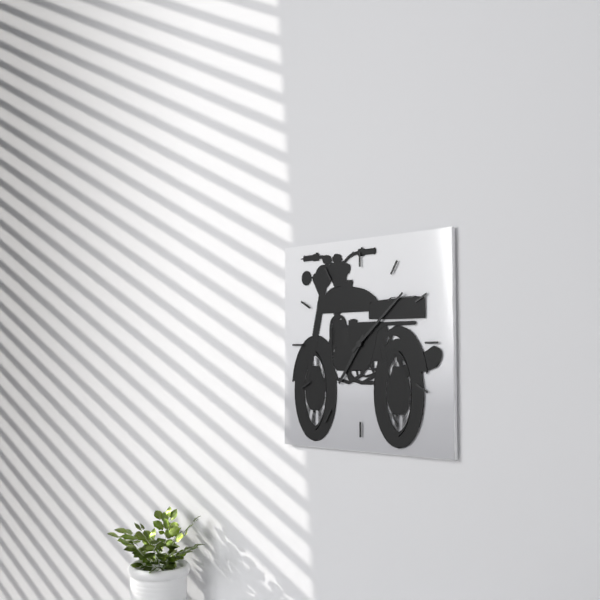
h=7 m=8
